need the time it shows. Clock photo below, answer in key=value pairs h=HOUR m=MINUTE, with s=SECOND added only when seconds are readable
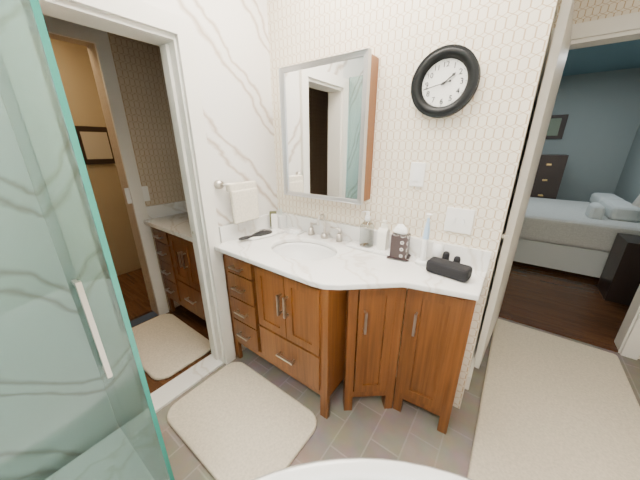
h=1 m=43
